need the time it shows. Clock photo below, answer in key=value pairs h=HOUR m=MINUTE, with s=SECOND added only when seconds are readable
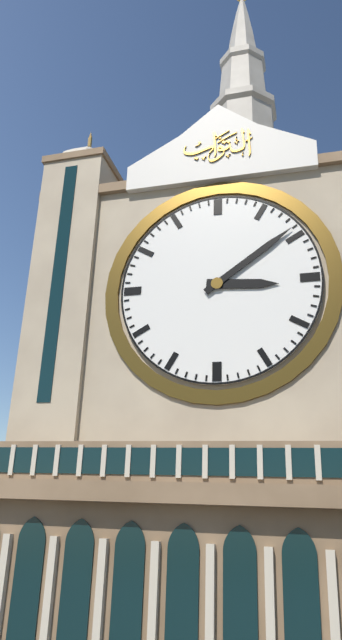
h=3 m=9
